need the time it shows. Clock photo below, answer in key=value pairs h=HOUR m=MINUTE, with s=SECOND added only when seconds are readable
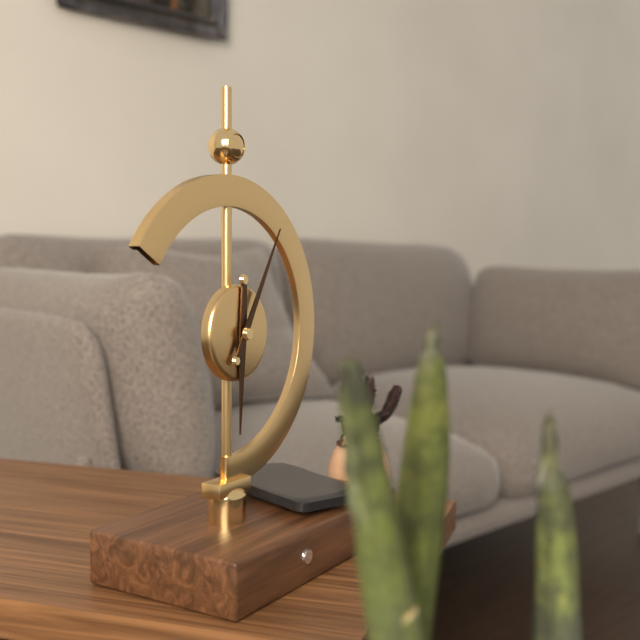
h=6 m=5
